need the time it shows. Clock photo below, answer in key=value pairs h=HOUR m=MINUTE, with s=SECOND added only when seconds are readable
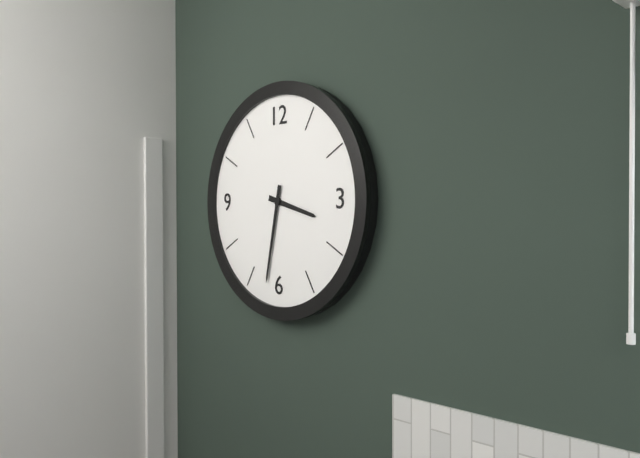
h=3 m=32
